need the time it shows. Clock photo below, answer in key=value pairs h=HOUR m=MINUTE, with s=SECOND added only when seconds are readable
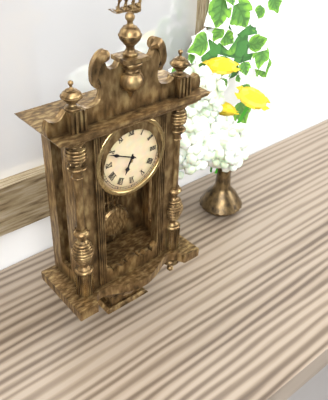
h=6 m=49
